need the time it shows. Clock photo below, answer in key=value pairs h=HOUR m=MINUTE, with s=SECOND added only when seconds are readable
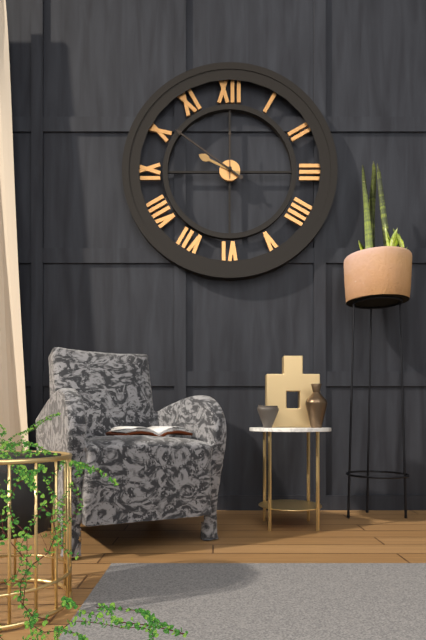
h=9 m=51
